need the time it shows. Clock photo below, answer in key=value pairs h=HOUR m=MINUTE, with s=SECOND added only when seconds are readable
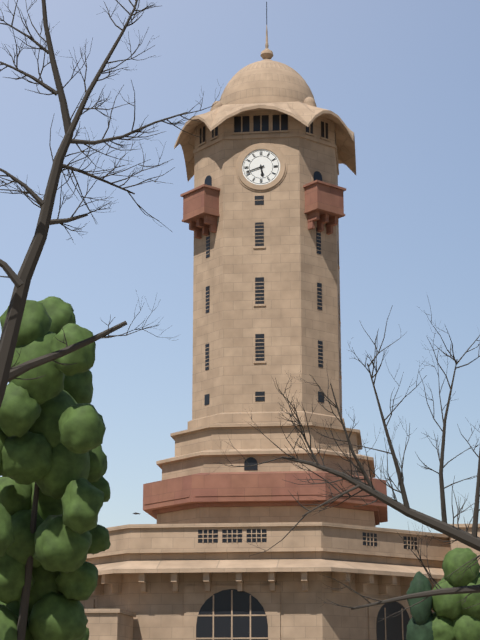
h=5 m=42
